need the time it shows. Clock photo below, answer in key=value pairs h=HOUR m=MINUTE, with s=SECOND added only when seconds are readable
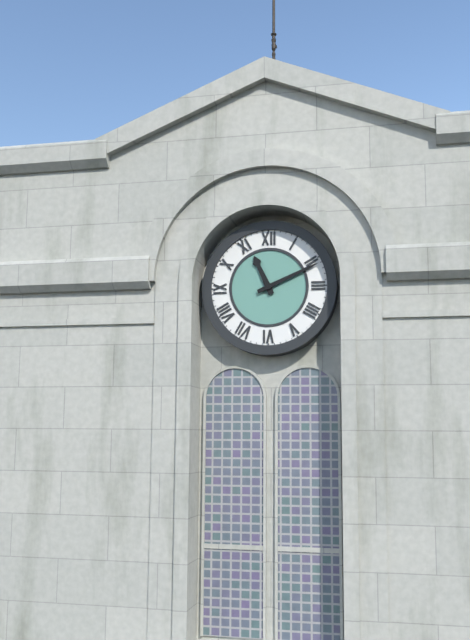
h=11 m=11
